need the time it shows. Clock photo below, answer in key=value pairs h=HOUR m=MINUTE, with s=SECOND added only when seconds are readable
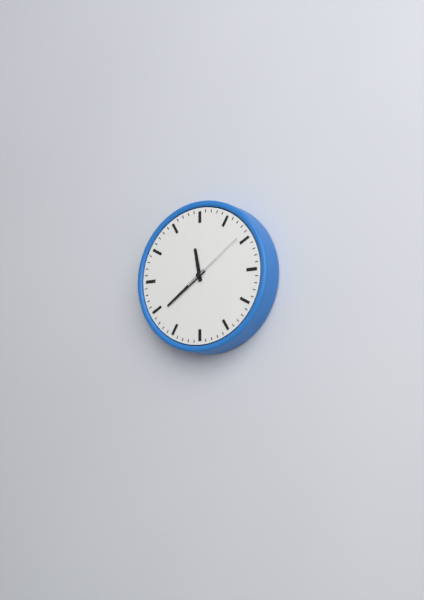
h=11 m=39 s=9
